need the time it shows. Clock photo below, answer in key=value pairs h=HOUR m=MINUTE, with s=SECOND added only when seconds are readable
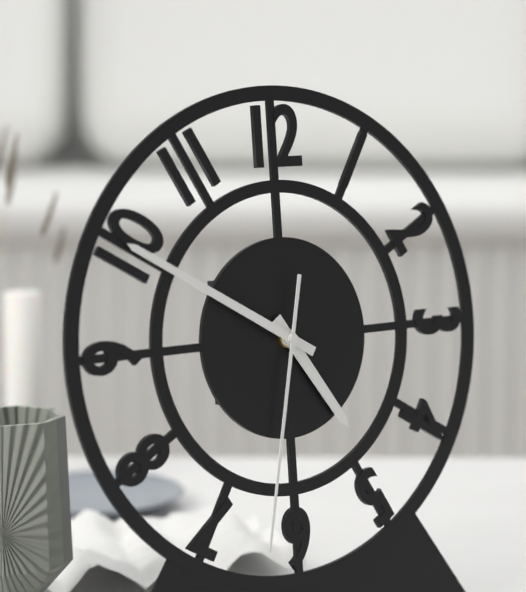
h=4 m=50 s=32
